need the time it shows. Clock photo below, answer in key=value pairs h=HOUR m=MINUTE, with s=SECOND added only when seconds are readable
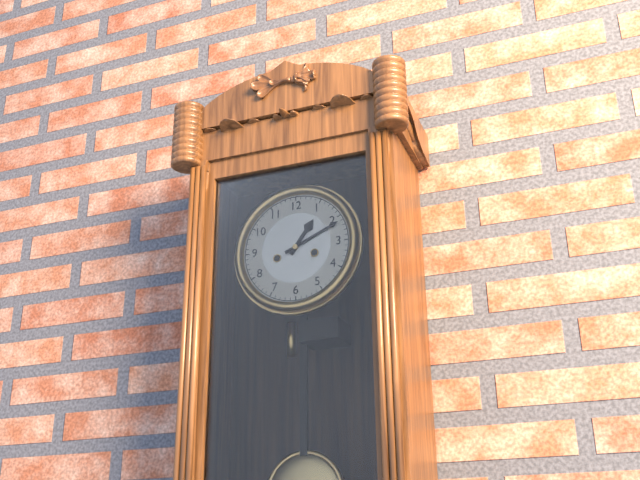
h=1 m=11
